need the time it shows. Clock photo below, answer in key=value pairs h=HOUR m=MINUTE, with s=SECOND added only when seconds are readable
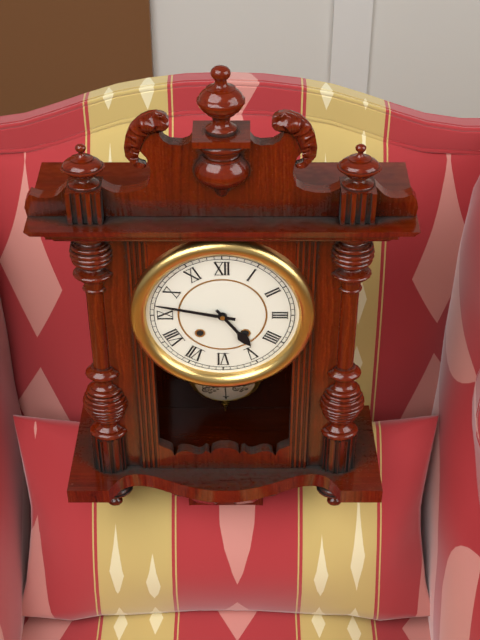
h=4 m=47
